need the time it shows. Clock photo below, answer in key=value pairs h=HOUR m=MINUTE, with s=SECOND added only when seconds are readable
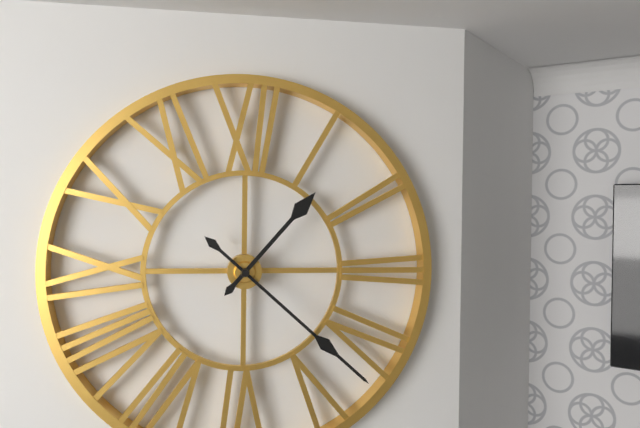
h=1 m=22
